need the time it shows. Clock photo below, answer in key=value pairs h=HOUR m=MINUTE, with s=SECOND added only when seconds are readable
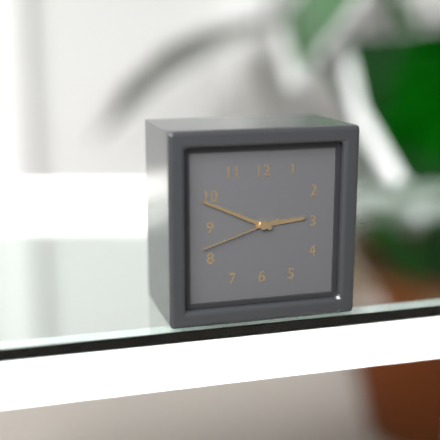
h=2 m=49 s=42
